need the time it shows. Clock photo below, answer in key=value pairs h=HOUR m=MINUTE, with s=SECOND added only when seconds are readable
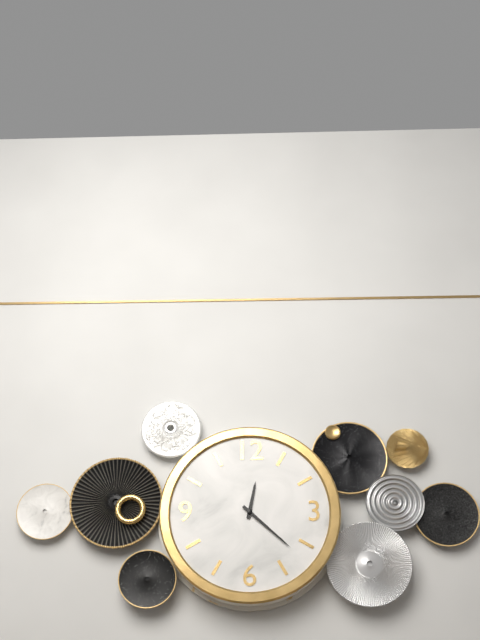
h=12 m=22
